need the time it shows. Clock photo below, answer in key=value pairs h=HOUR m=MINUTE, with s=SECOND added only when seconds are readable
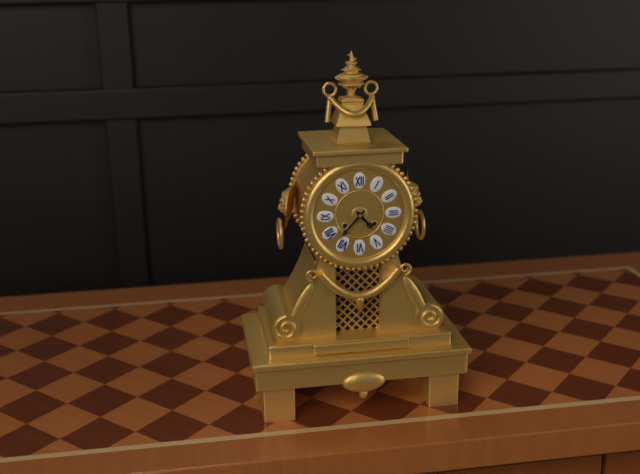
h=4 m=37
